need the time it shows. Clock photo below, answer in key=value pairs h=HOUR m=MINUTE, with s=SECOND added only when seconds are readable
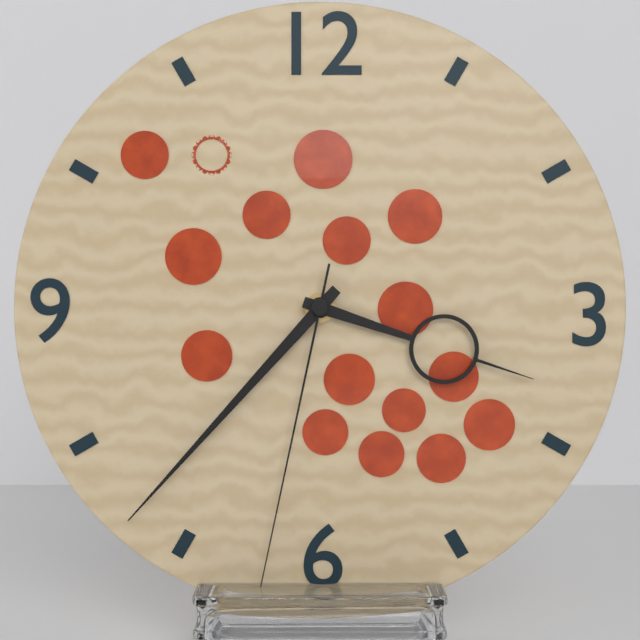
h=3 m=37 s=32
